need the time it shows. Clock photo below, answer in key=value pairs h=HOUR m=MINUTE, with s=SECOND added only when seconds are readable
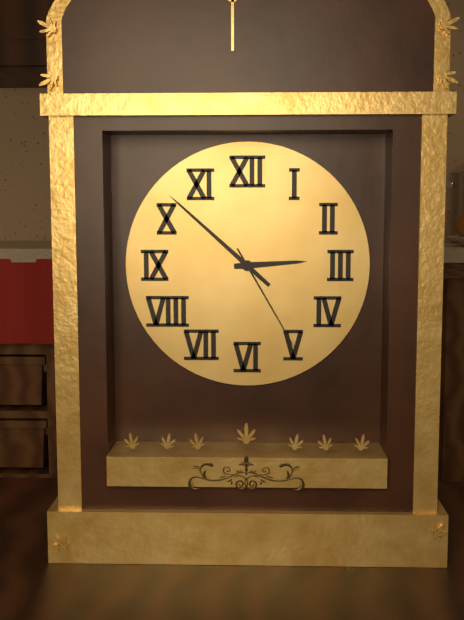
h=2 m=52 s=25
